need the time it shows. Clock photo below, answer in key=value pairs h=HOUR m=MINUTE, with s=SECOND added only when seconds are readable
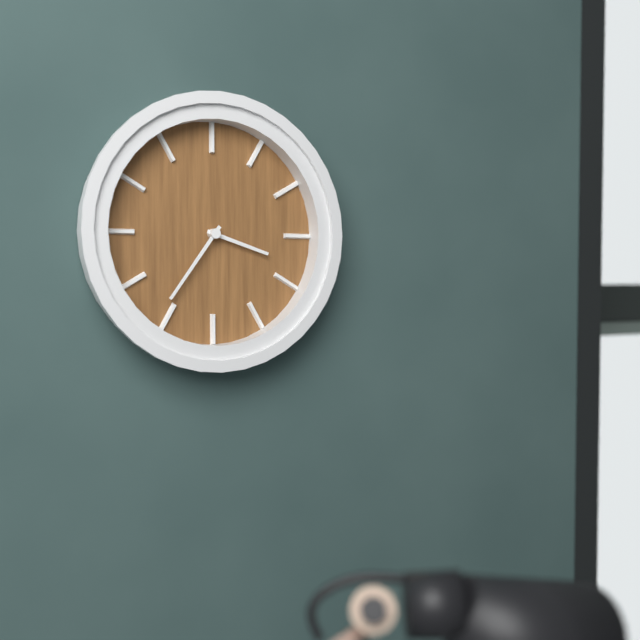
h=3 m=36
